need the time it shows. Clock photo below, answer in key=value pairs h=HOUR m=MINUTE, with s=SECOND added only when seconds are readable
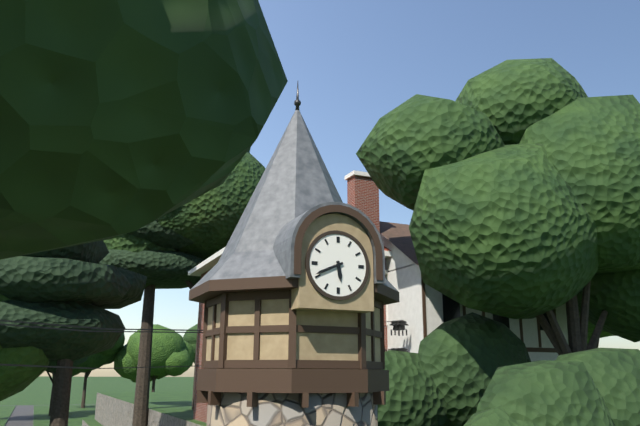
h=5 m=41
